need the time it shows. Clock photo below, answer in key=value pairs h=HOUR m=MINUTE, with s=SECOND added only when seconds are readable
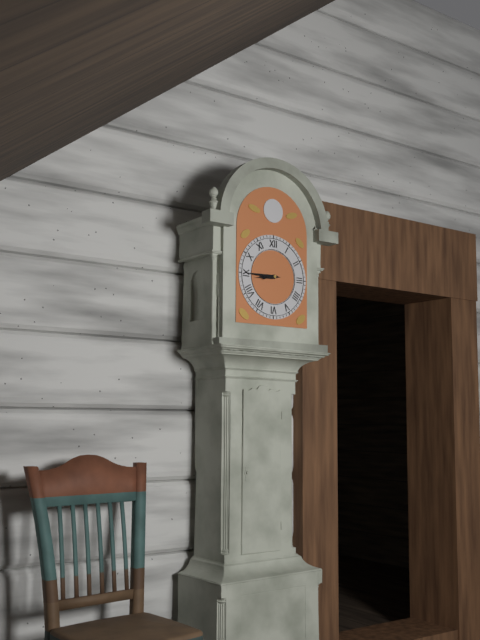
h=8 m=45
